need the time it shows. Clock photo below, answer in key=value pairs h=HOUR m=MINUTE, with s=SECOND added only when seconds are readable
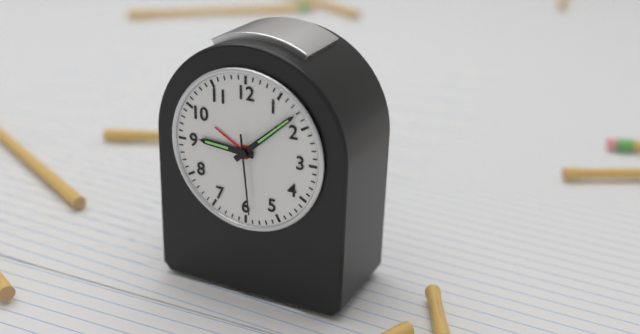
h=9 m=8 s=29
